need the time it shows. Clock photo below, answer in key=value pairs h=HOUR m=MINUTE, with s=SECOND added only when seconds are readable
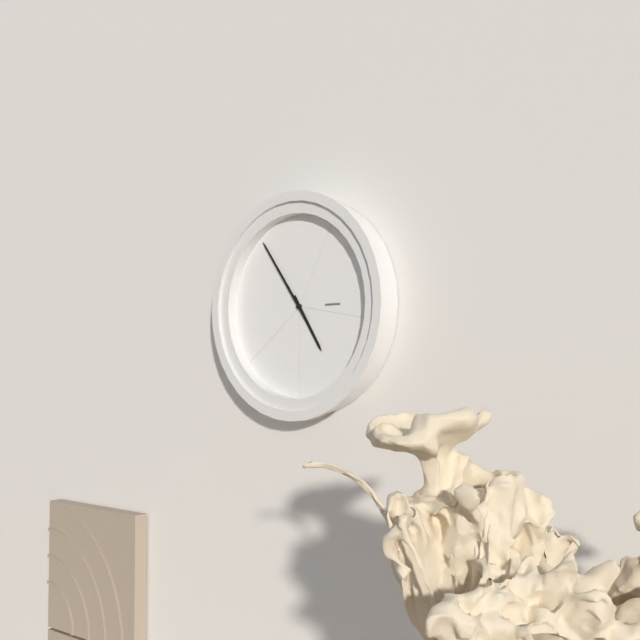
h=4 m=54
